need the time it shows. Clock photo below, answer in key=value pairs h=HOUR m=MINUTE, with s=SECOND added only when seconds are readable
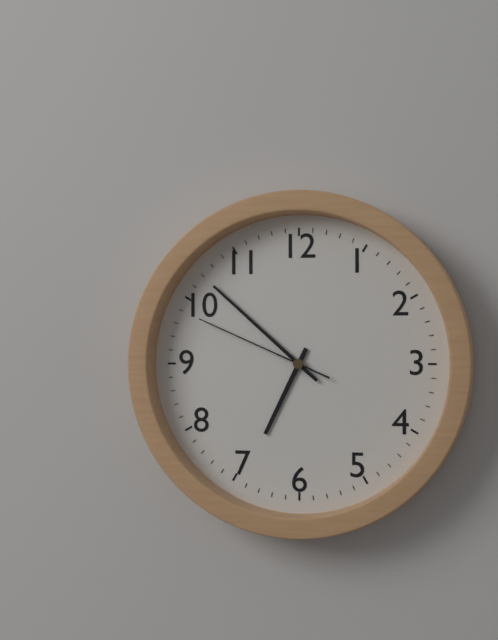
h=6 m=52 s=49
